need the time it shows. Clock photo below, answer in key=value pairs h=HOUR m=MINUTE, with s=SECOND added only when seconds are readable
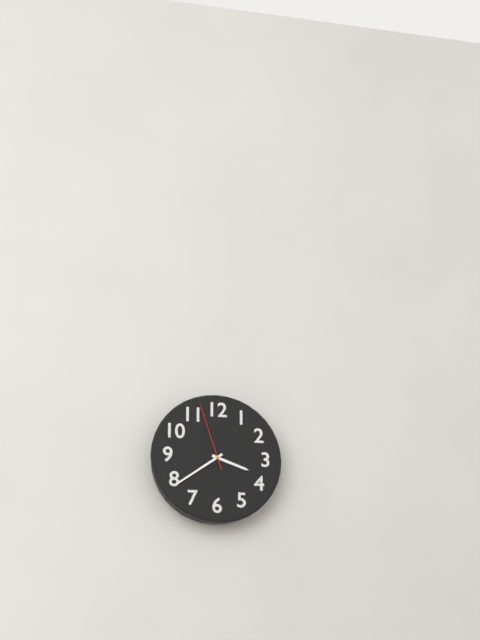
h=3 m=39 s=57
